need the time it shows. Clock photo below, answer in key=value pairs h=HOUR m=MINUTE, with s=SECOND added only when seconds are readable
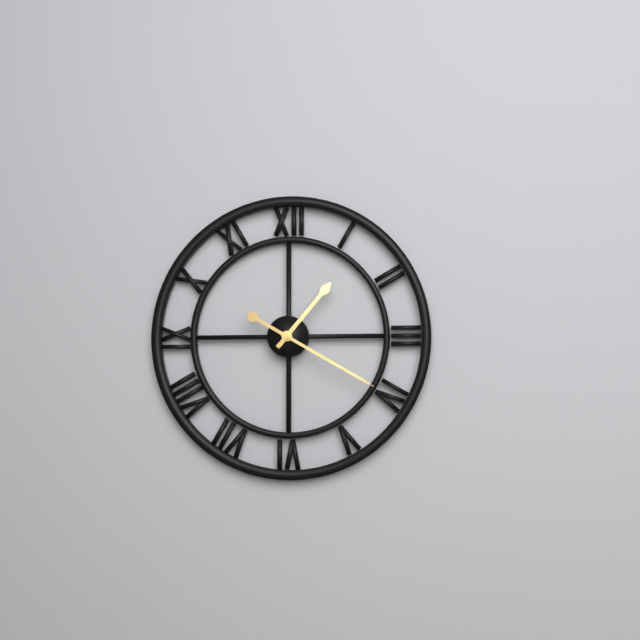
h=1 m=20
